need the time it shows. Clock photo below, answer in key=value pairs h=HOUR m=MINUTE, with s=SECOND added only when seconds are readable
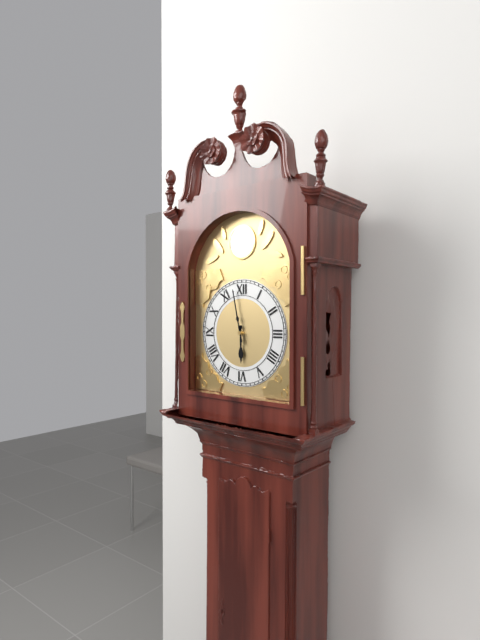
h=5 m=58
